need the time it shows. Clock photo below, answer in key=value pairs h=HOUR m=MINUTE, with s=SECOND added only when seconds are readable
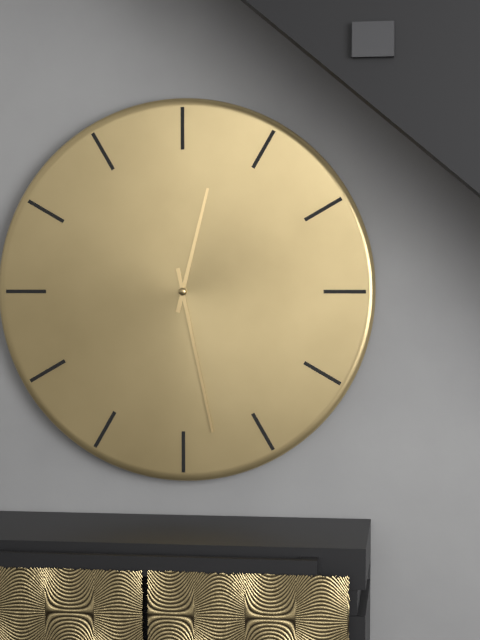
h=12 m=28
